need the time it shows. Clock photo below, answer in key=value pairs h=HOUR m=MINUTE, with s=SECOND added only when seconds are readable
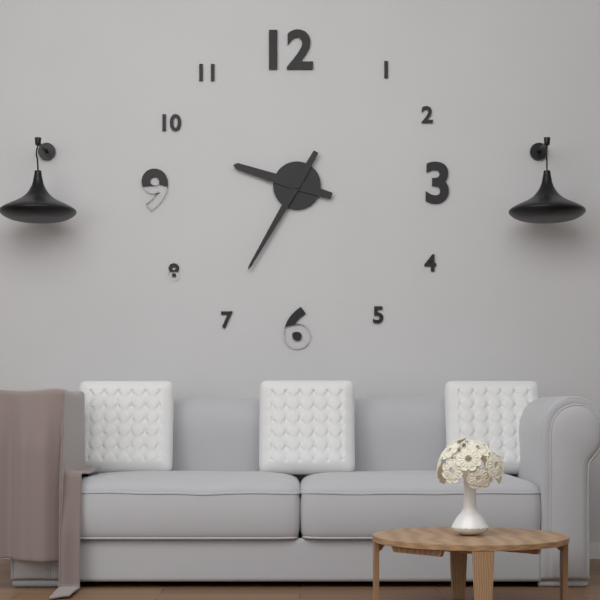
h=9 m=35
